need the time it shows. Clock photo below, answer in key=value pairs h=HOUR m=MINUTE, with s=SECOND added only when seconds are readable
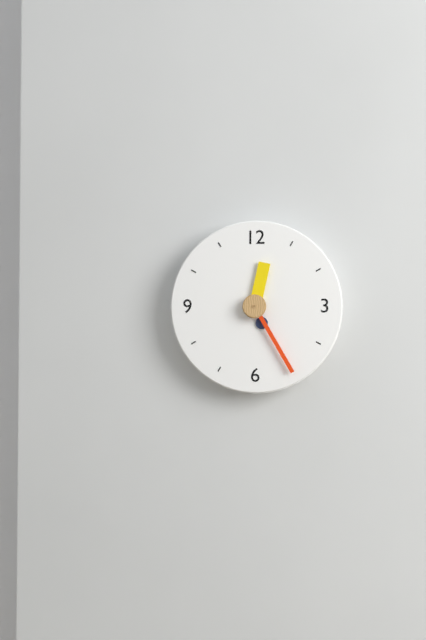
h=12 m=25
